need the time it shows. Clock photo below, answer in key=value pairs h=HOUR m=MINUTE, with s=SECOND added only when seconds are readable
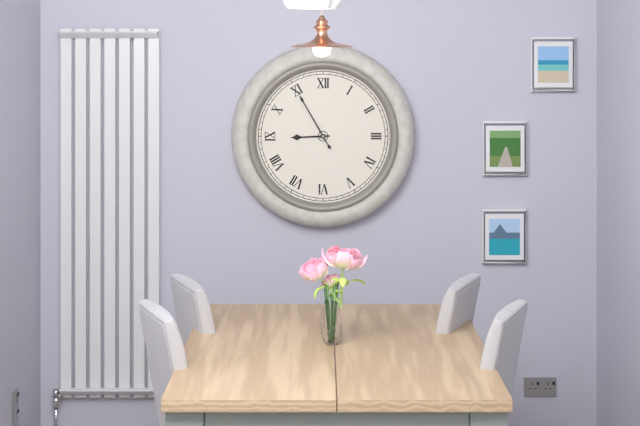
h=8 m=55
